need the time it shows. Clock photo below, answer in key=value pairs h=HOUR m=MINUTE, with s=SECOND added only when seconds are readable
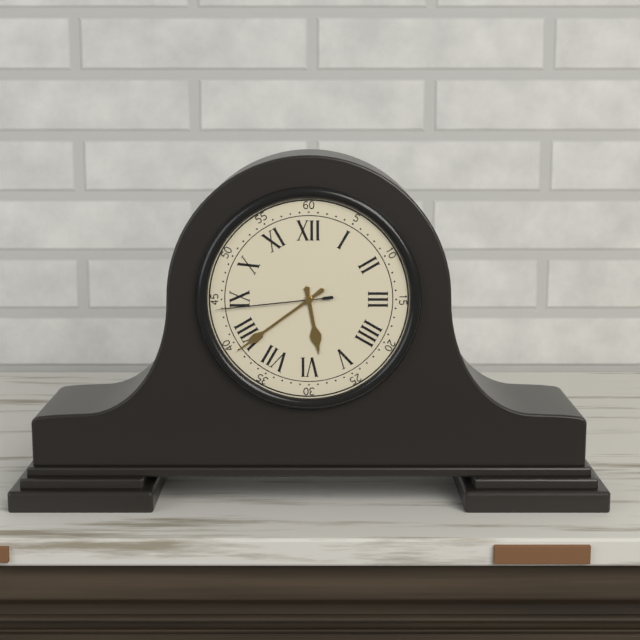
h=5 m=39 s=44
